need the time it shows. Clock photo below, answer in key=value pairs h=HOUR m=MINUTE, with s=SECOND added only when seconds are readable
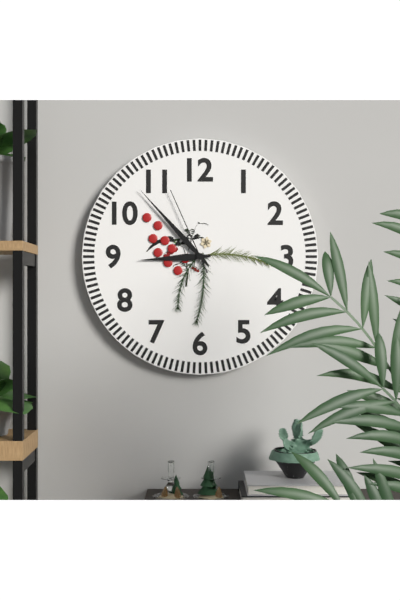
h=8 m=53 s=56
